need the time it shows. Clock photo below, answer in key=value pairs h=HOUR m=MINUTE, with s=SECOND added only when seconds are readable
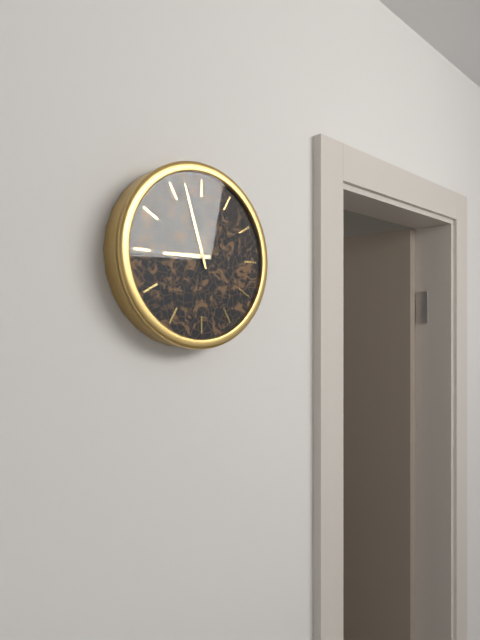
h=8 m=57
